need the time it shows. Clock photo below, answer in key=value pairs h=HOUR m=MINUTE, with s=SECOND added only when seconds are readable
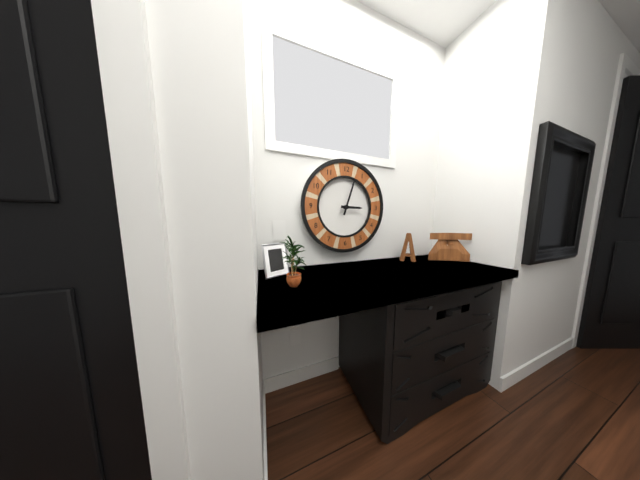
h=3 m=3
